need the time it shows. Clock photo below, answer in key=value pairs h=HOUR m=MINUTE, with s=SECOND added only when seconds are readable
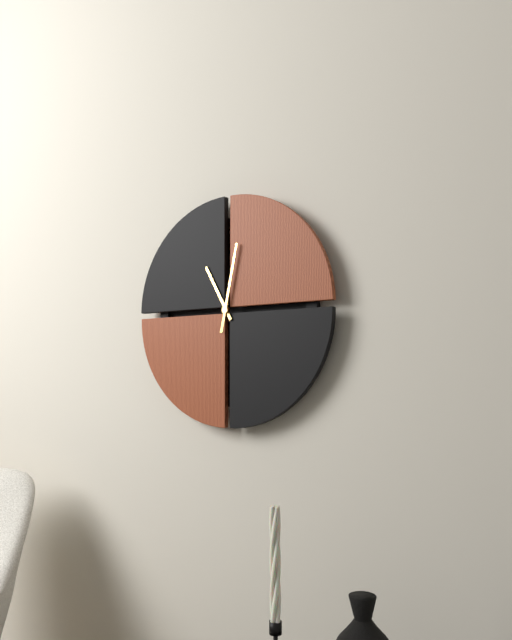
h=11 m=2
